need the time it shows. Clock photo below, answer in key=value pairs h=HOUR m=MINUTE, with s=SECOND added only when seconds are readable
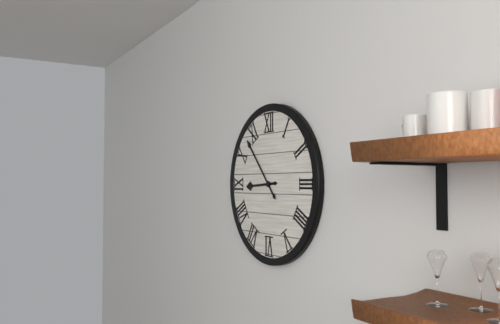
h=8 m=53
